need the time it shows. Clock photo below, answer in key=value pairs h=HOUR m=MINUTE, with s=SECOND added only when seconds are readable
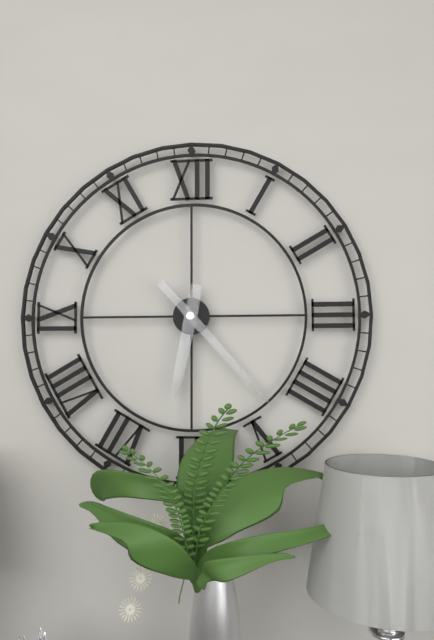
h=6 m=23
